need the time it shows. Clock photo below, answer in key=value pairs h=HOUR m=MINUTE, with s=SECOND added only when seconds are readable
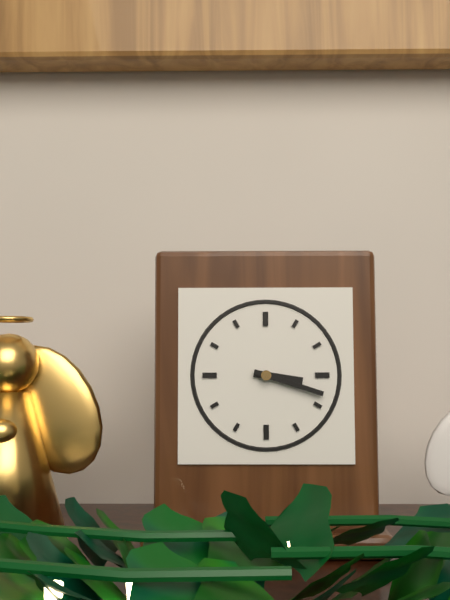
h=3 m=18
